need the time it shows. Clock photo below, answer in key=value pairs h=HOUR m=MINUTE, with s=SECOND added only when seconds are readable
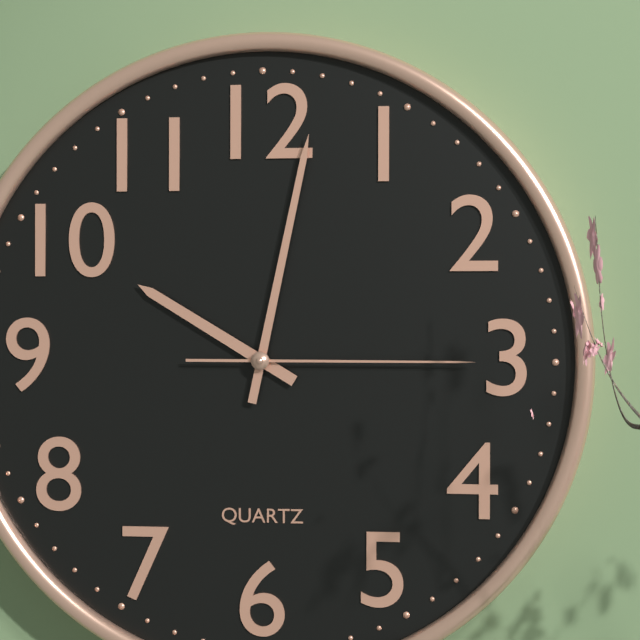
h=10 m=2 s=15
